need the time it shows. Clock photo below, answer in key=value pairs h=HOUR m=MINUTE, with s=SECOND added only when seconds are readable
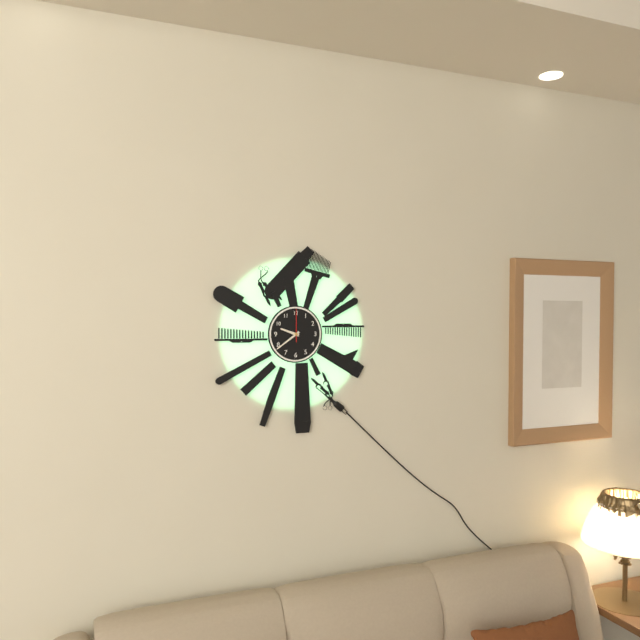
h=9 m=39
